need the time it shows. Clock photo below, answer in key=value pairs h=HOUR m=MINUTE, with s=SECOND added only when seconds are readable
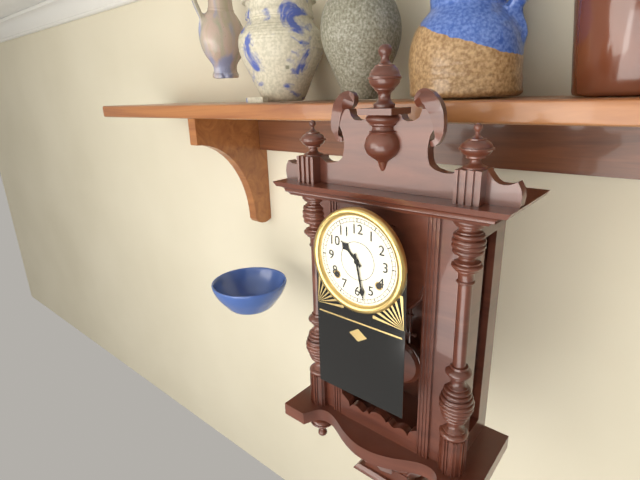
h=10 m=28
